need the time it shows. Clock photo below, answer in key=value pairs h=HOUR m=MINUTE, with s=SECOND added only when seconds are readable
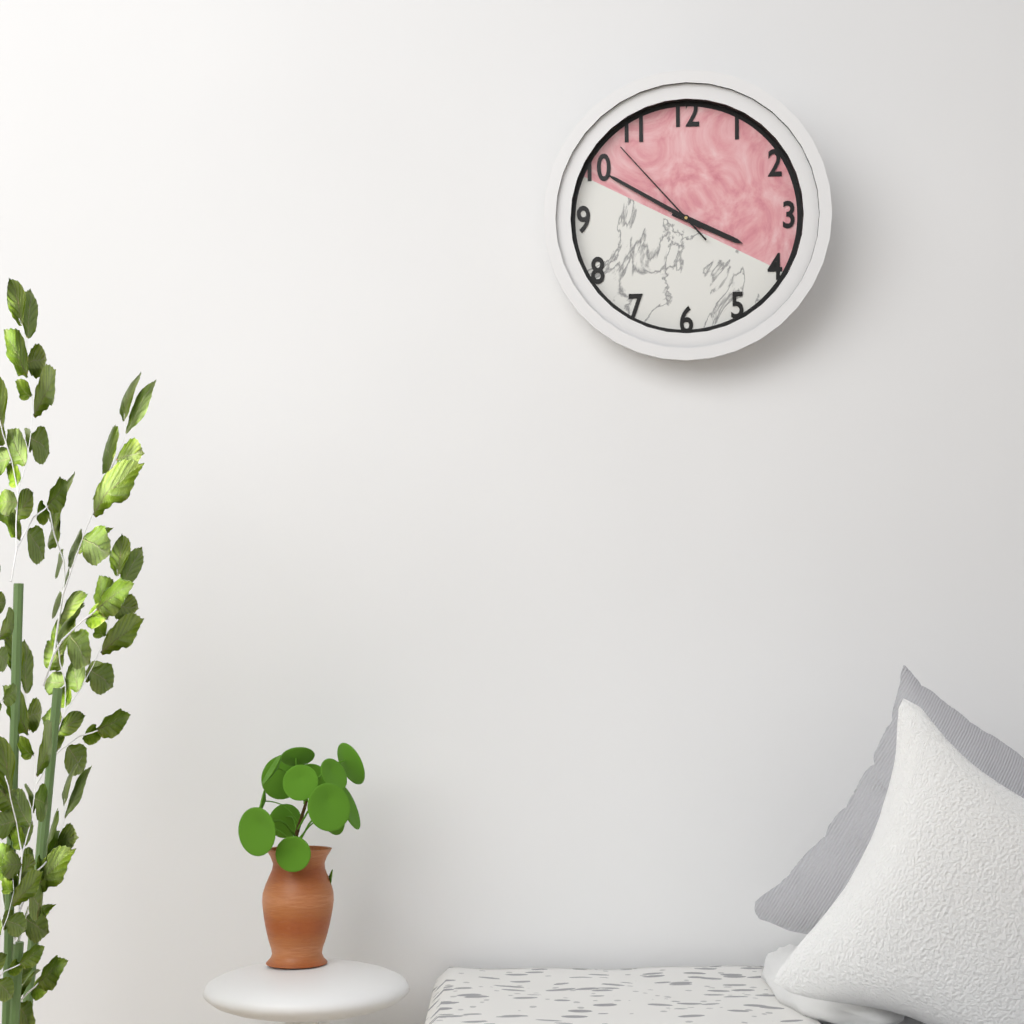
h=3 m=50 s=53
